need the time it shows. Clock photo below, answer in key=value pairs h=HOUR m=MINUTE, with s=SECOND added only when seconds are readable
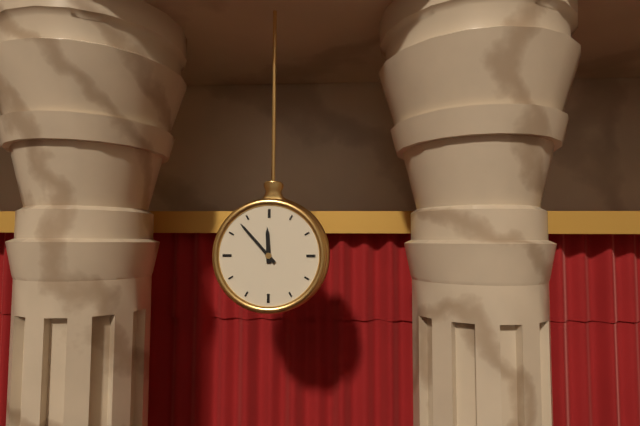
h=11 m=53
